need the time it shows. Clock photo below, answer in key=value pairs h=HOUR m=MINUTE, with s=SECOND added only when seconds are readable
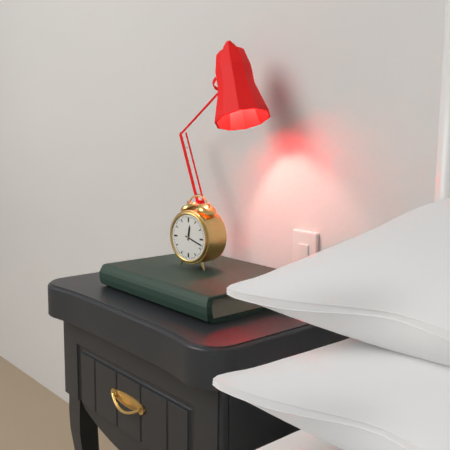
h=12 m=18
